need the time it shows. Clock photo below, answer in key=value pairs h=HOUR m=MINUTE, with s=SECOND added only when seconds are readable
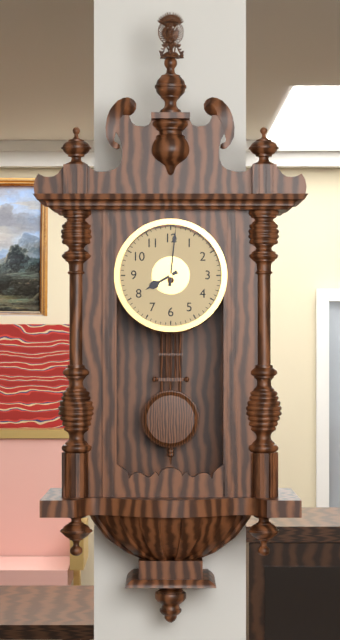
h=8 m=1
